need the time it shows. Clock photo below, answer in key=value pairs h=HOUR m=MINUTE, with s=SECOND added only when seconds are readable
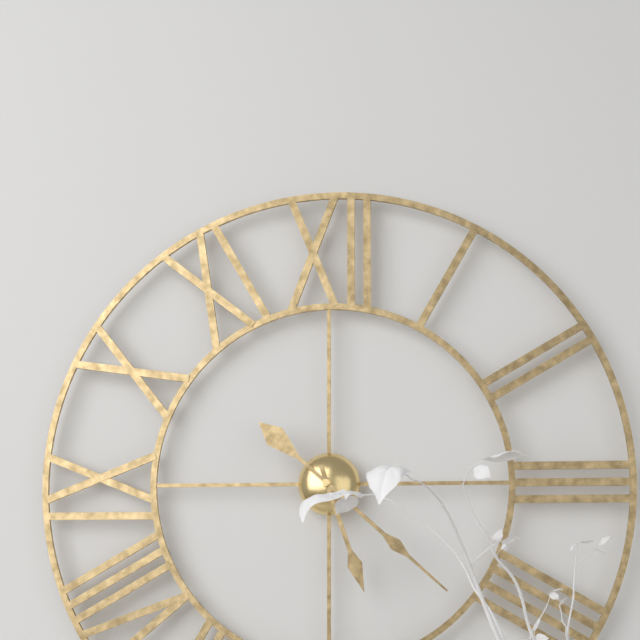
h=5 m=22
